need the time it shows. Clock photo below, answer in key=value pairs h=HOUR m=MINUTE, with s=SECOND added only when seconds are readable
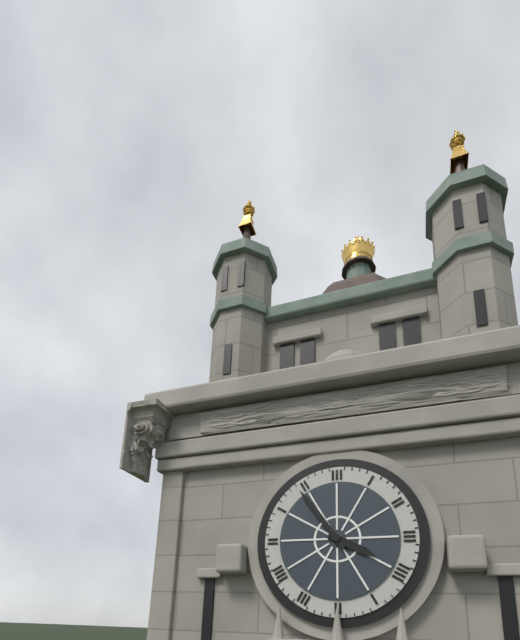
h=3 m=54
